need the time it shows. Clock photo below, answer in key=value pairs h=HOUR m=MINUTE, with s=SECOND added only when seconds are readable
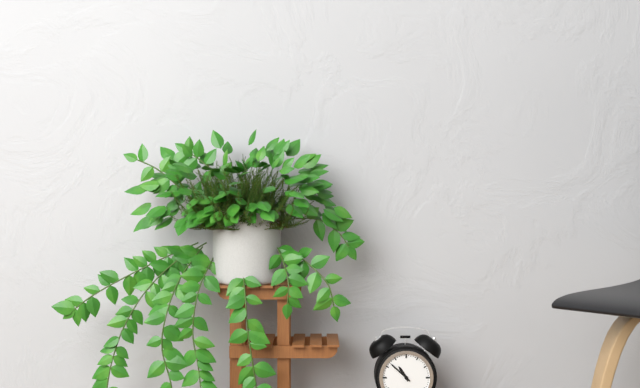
h=10 m=52
